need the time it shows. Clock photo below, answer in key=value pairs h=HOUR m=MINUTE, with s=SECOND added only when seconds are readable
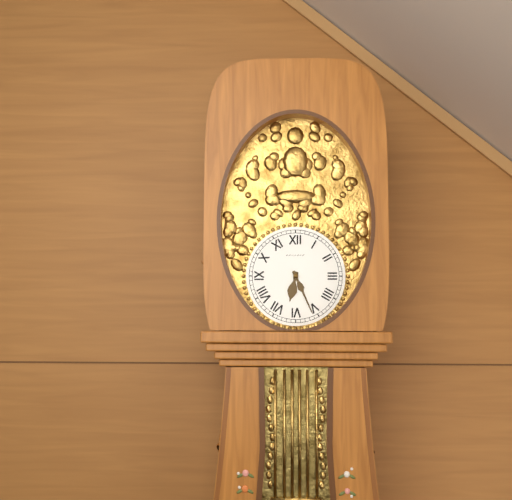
h=6 m=26
